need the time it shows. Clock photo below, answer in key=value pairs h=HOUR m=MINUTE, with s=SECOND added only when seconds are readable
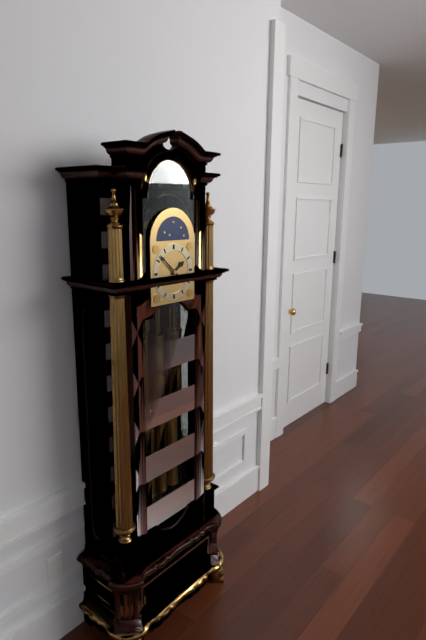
h=1 m=52
